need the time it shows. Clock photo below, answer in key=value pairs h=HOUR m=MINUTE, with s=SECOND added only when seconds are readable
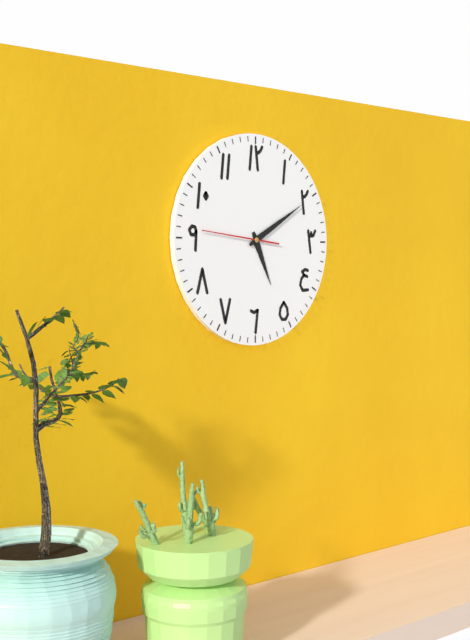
h=5 m=10 s=46
